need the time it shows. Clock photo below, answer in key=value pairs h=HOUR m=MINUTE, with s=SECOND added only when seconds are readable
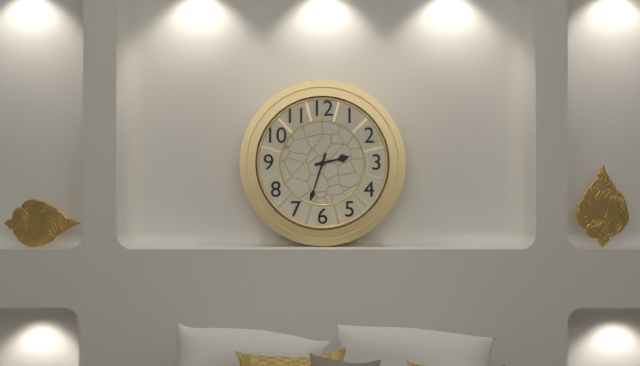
h=2 m=33
